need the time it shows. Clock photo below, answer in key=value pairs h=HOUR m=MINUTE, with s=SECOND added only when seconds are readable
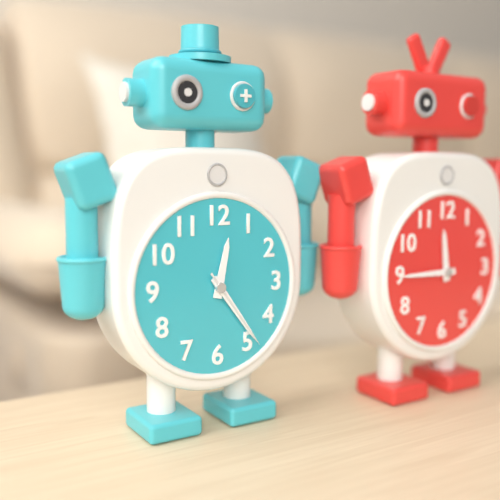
h=12 m=24 s=24
